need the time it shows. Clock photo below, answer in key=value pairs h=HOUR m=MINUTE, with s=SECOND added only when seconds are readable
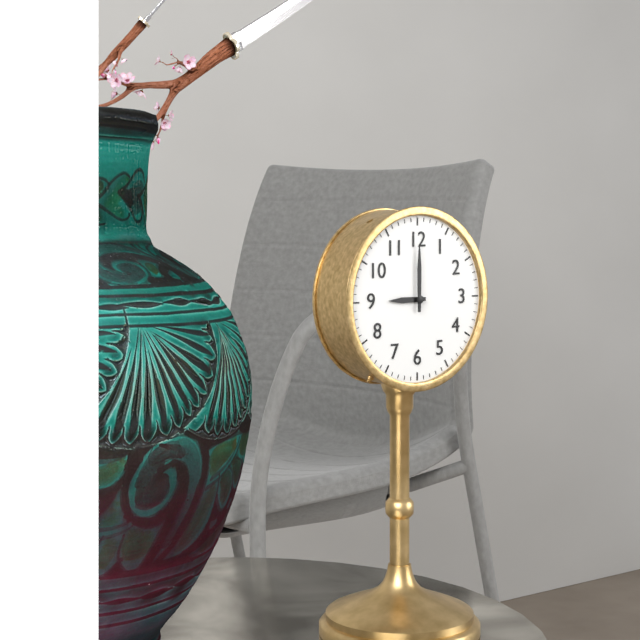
h=9 m=0
